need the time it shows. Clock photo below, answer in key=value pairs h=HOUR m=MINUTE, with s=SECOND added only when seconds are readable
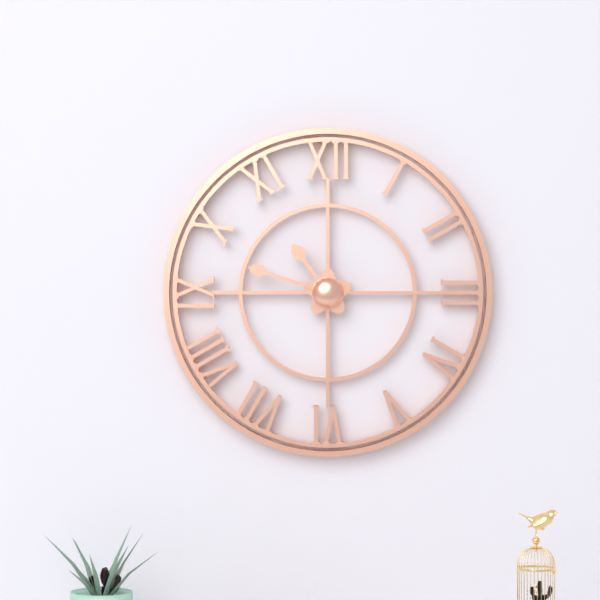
h=10 m=48
